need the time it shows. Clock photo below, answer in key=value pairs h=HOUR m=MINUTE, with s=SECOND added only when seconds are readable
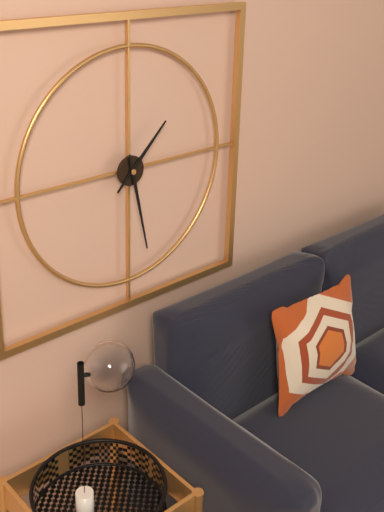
h=1 m=28
